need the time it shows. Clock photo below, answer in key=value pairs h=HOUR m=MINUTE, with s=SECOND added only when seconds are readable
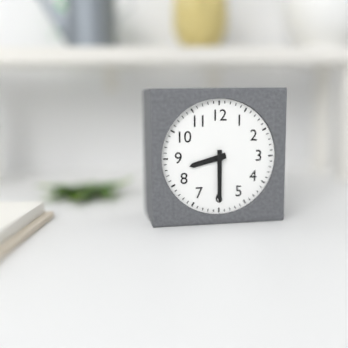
h=8 m=30
